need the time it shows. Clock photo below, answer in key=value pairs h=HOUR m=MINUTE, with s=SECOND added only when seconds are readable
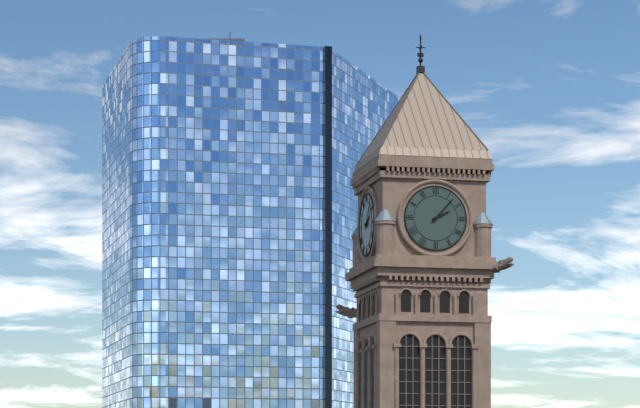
h=2 m=7
